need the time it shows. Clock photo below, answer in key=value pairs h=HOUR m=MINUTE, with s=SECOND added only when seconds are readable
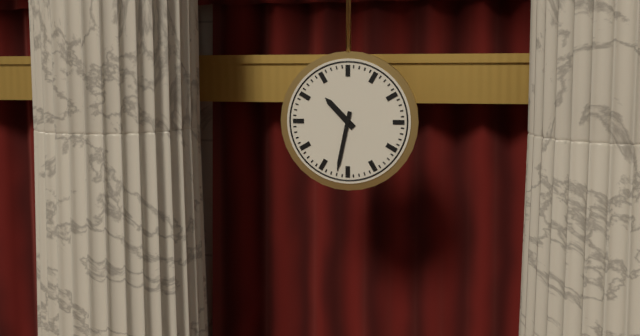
h=10 m=32
